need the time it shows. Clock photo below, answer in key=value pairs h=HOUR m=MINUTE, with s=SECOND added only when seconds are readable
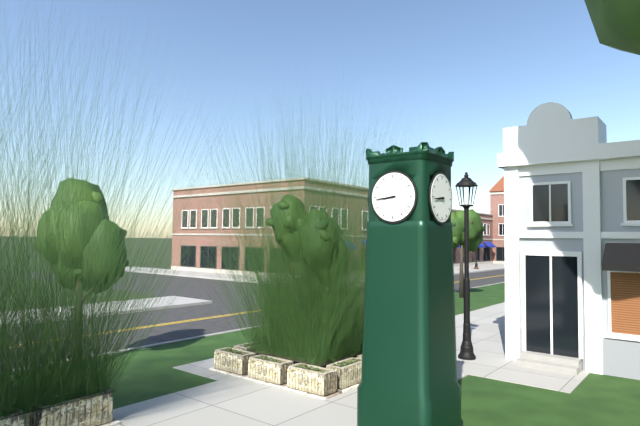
h=8 m=44
